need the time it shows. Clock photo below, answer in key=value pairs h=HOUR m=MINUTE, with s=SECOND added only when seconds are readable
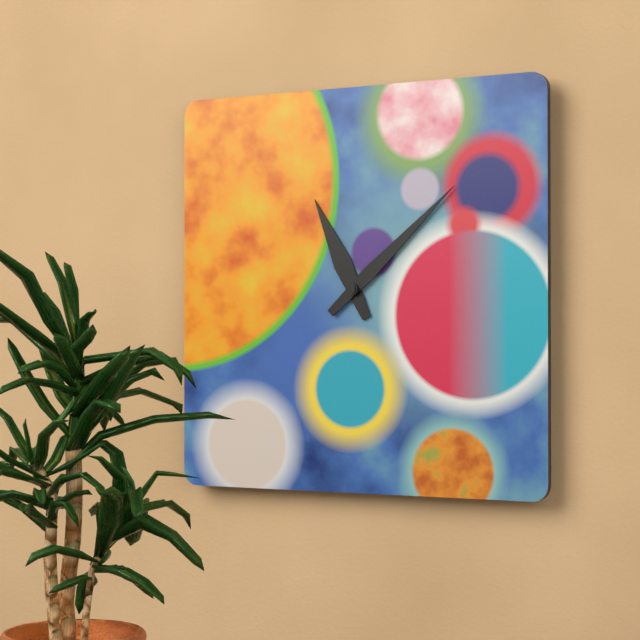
h=11 m=8
